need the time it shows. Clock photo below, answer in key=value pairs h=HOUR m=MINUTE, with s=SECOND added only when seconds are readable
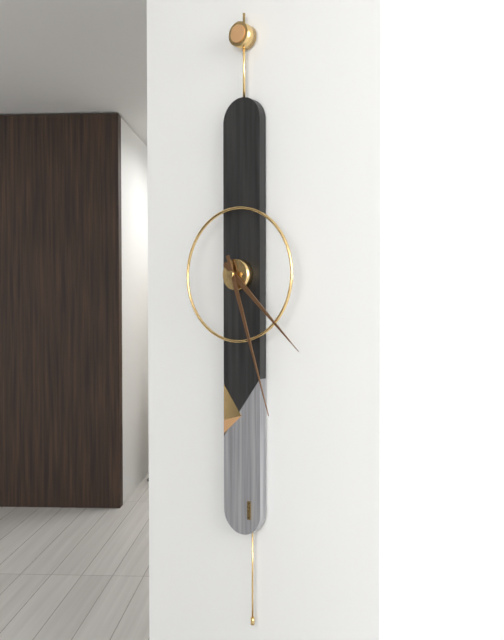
h=4 m=27
